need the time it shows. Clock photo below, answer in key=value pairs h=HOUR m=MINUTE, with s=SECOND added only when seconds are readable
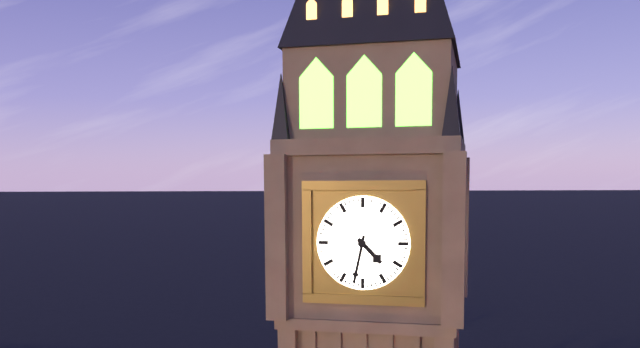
h=4 m=32
